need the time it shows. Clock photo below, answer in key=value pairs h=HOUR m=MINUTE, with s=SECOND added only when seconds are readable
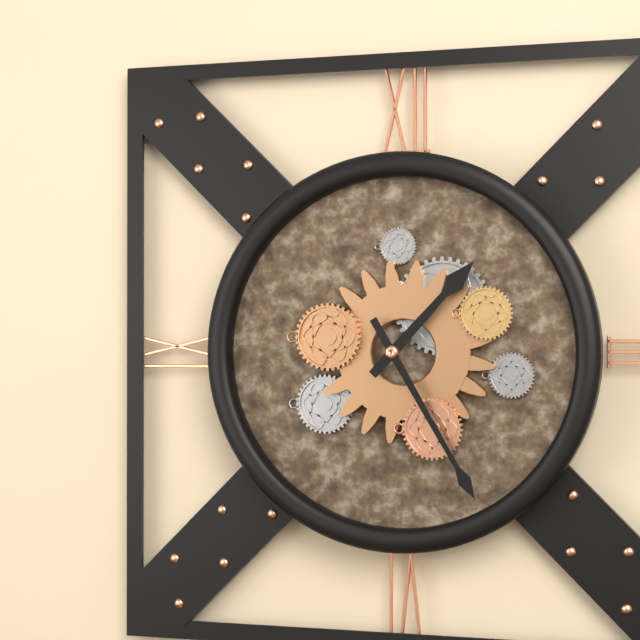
h=1 m=25
